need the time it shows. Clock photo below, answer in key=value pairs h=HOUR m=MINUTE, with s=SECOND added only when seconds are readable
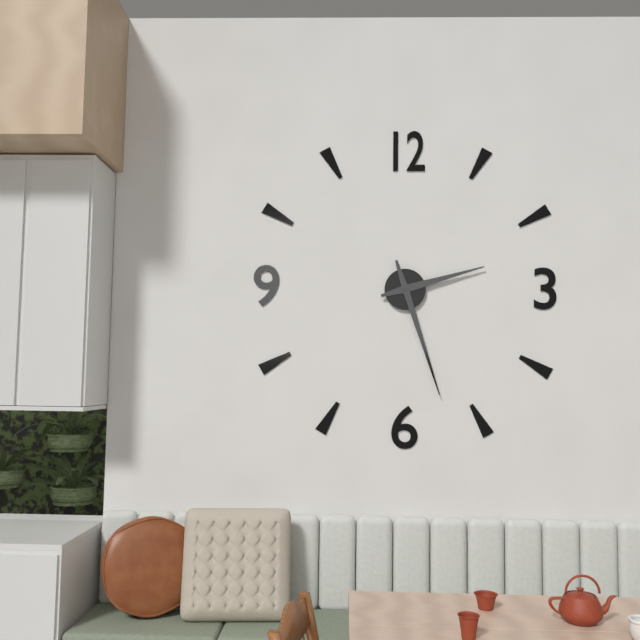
h=2 m=27
